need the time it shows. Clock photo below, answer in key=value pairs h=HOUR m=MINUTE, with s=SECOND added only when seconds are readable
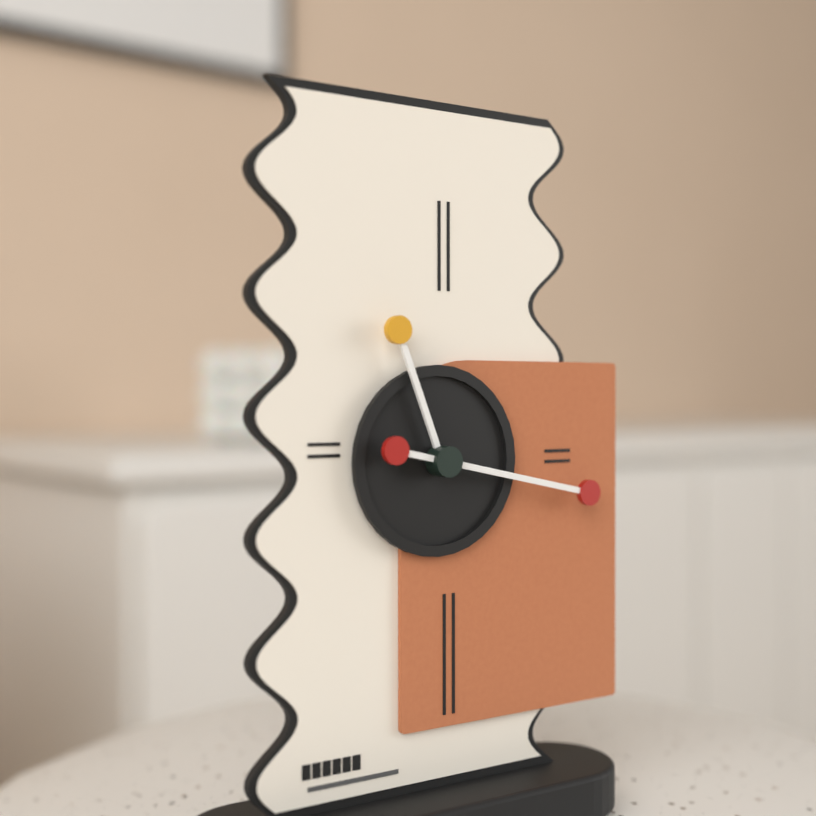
h=11 m=17
